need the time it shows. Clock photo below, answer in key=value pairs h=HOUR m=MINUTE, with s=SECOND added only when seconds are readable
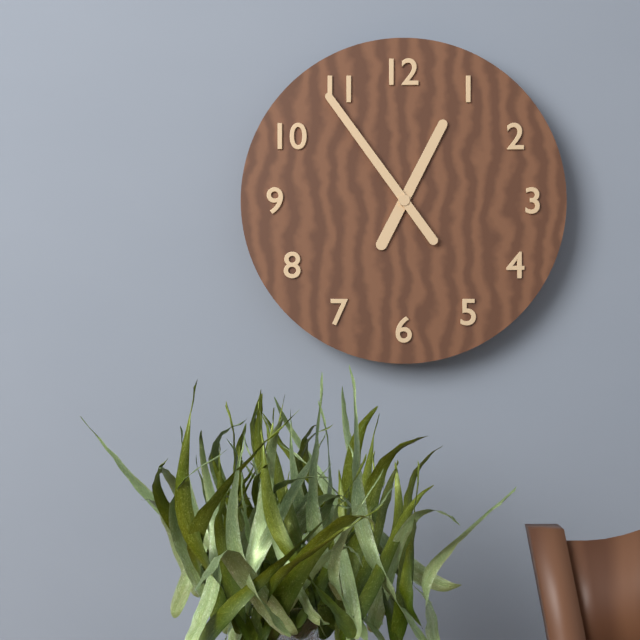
h=12 m=54
